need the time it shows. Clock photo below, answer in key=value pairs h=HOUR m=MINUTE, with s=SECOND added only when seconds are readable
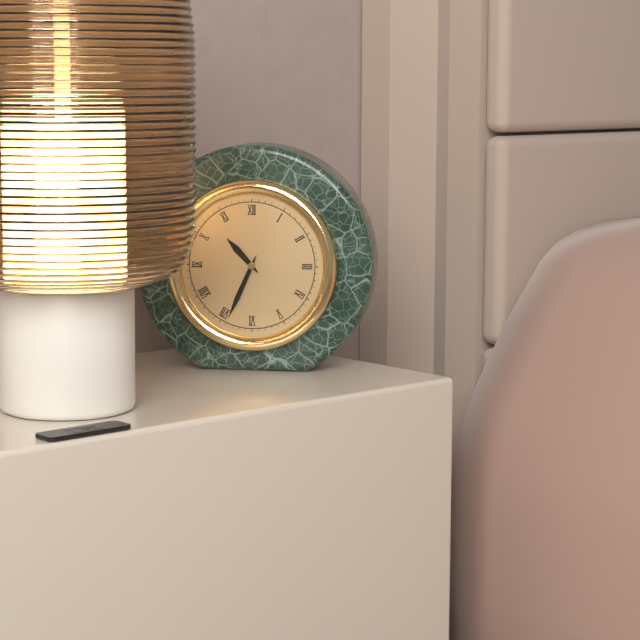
h=10 m=34
